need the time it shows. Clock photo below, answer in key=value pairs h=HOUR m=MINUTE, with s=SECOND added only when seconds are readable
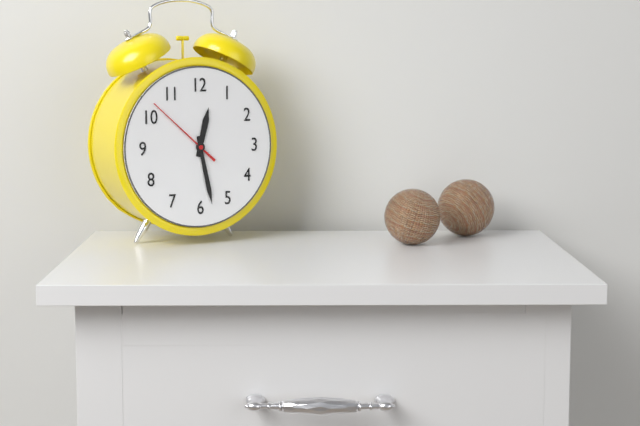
h=12 m=28 s=52
